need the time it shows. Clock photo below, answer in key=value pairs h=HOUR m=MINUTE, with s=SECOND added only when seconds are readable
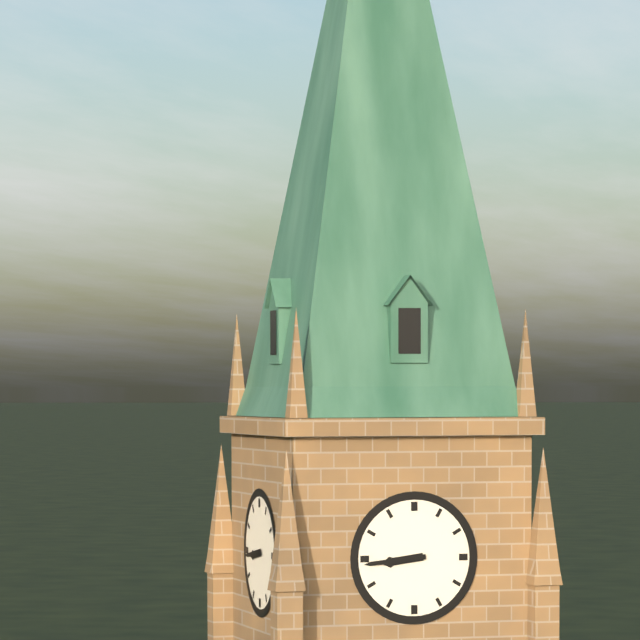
h=8 m=44
